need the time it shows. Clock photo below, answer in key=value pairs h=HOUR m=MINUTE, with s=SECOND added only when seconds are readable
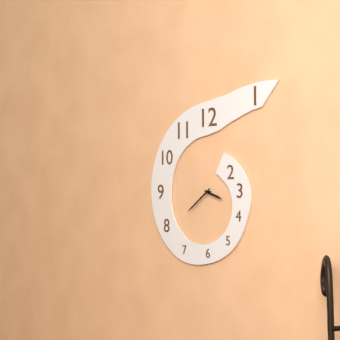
h=3 m=39
